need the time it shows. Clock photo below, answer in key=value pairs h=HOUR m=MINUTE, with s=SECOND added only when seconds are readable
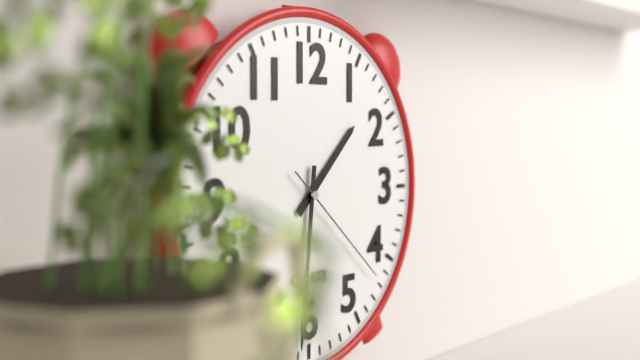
h=1 m=31 s=22
